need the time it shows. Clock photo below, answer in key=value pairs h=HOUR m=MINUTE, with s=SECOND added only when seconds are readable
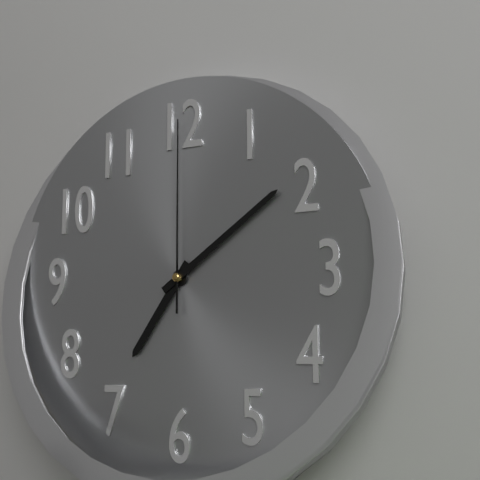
h=7 m=9 s=0
